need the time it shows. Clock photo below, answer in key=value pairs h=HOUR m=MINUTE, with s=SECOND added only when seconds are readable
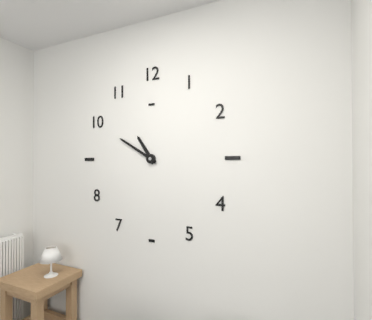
h=10 m=50
